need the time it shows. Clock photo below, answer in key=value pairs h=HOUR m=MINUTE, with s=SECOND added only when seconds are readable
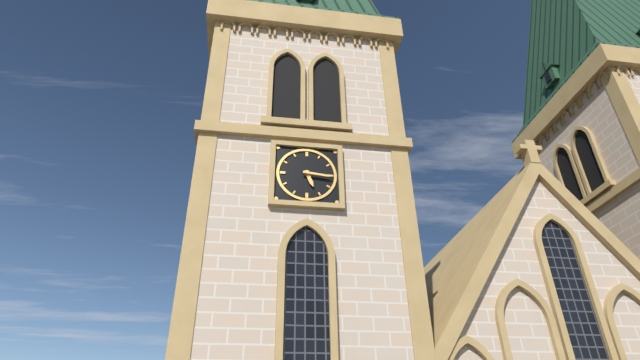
h=5 m=16
